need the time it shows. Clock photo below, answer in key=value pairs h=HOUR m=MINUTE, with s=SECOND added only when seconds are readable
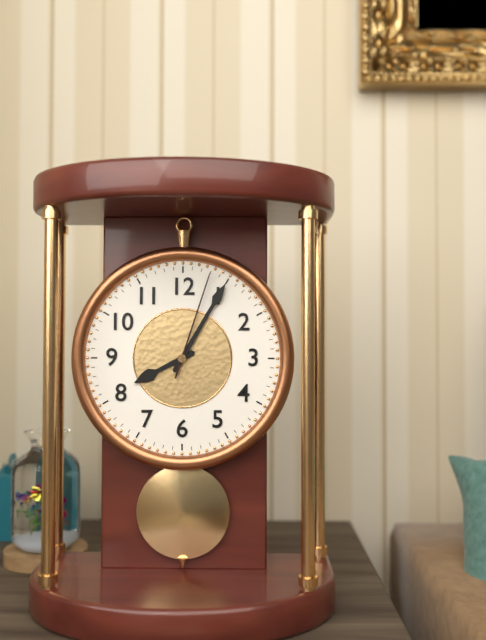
h=8 m=5 s=3
